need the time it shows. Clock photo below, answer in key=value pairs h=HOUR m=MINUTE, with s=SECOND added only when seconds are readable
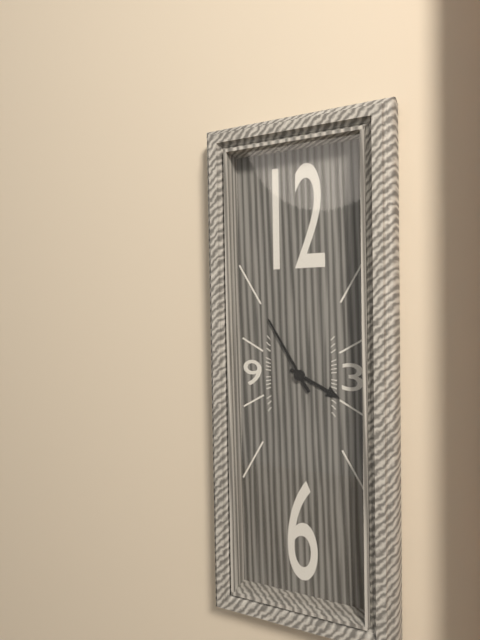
h=3 m=55
